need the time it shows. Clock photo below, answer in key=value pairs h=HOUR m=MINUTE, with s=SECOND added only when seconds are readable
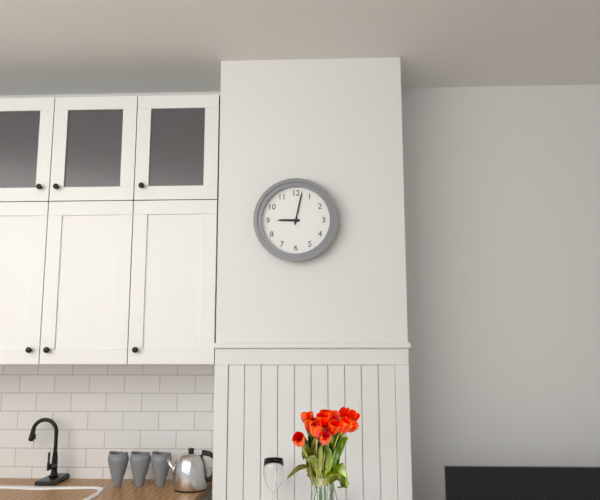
h=9 m=2
